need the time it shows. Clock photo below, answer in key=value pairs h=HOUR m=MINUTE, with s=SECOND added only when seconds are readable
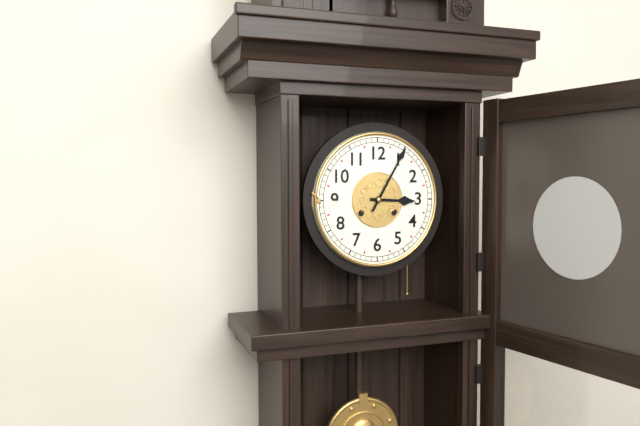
h=3 m=5
